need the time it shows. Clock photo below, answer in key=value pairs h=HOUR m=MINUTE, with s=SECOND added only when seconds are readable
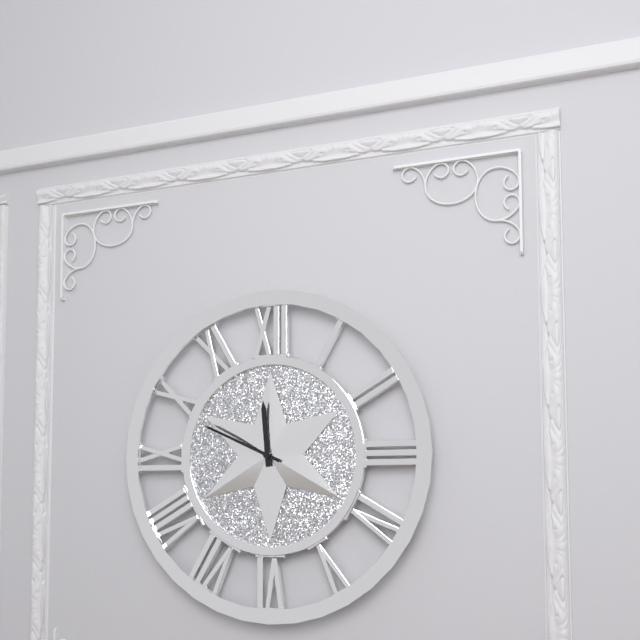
h=11 m=49
